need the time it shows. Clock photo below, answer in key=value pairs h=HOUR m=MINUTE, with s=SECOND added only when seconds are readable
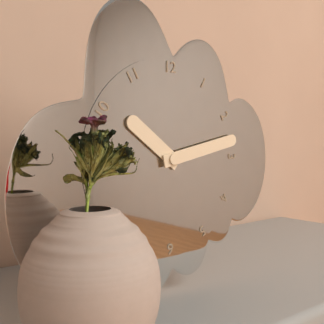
h=10 m=13
